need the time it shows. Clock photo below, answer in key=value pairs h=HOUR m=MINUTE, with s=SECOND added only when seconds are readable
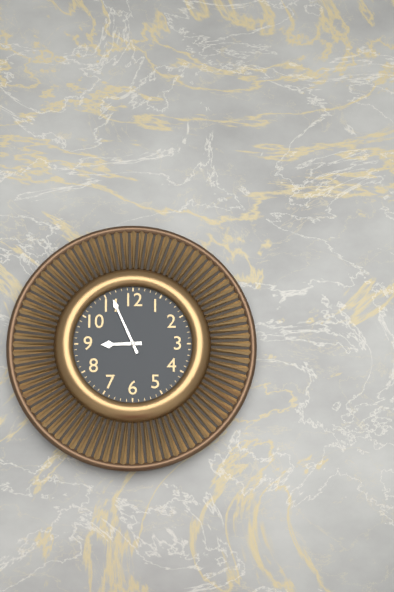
h=8 m=56
